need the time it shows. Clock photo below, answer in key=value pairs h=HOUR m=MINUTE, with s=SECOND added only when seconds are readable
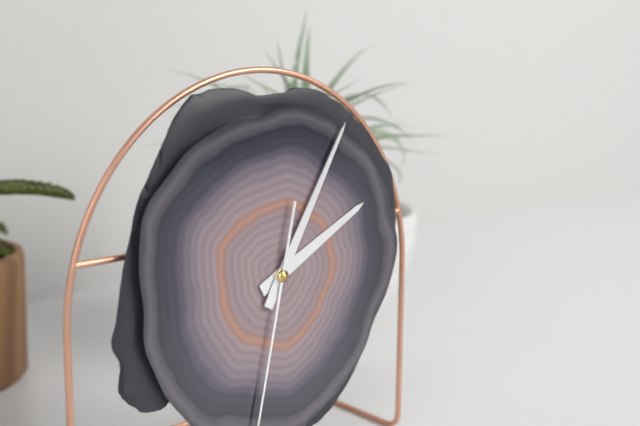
h=2 m=5
